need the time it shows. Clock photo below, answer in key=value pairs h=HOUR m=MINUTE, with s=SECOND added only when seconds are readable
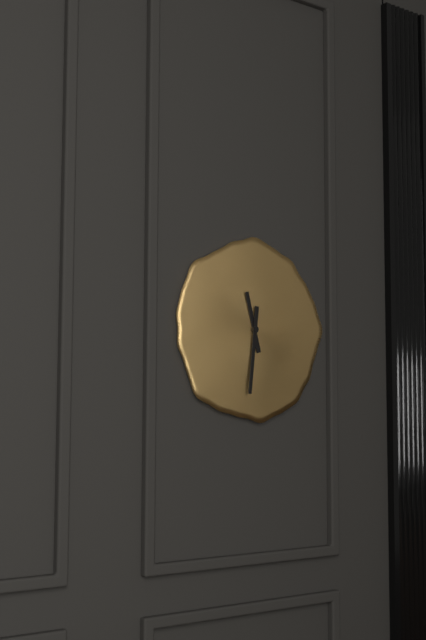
h=11 m=31
